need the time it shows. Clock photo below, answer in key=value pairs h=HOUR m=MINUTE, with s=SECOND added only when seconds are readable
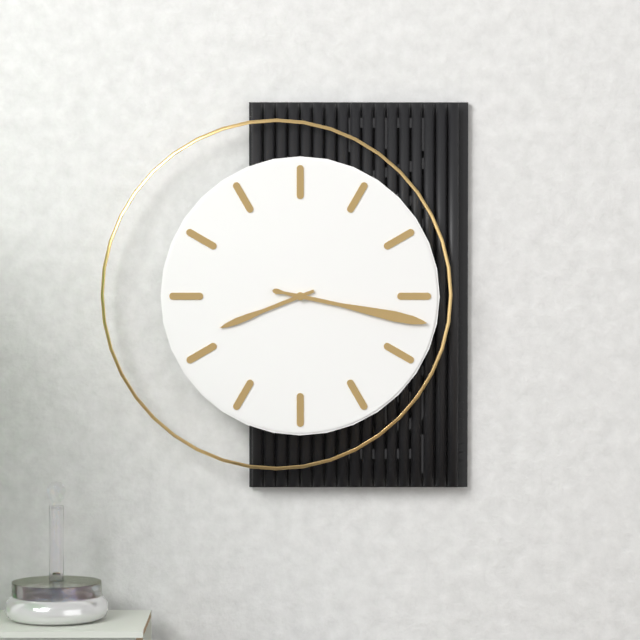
h=8 m=17
